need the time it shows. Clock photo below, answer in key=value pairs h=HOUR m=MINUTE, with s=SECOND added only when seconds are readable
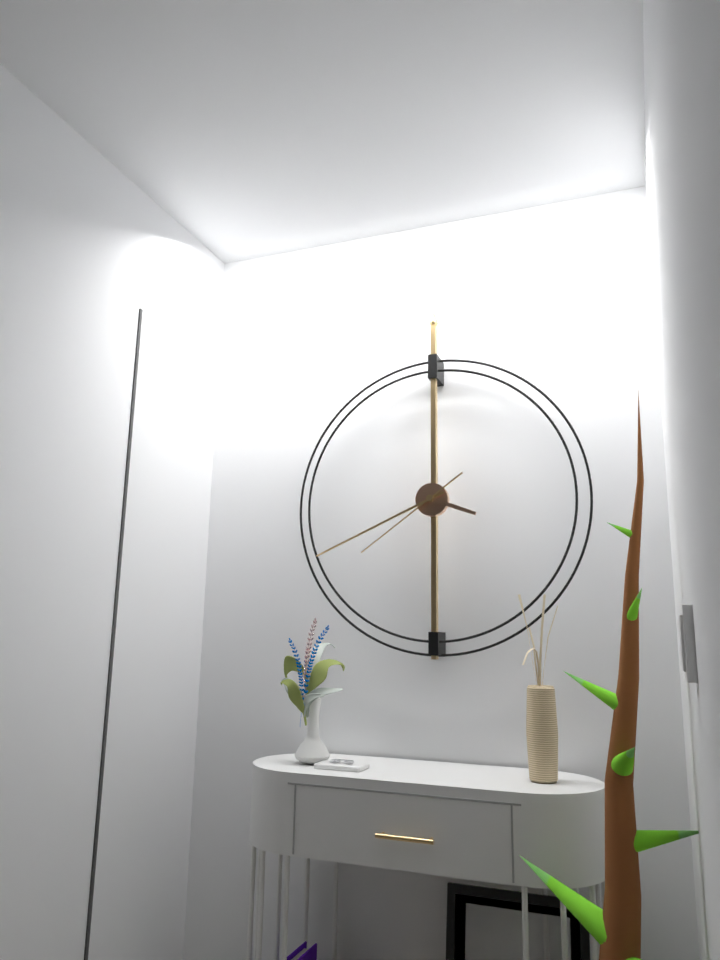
h=3 m=41 s=39
